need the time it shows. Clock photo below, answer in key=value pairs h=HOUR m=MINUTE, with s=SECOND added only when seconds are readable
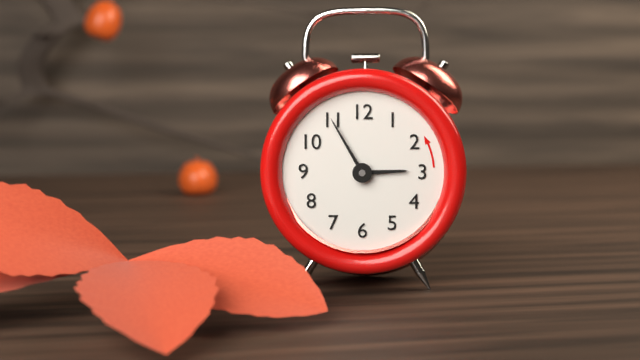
h=2 m=55 s=55
